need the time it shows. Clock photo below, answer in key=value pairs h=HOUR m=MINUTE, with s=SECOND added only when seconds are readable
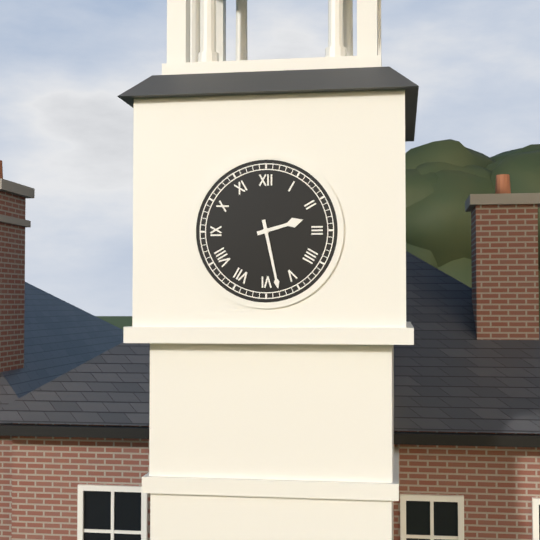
h=2 m=28
